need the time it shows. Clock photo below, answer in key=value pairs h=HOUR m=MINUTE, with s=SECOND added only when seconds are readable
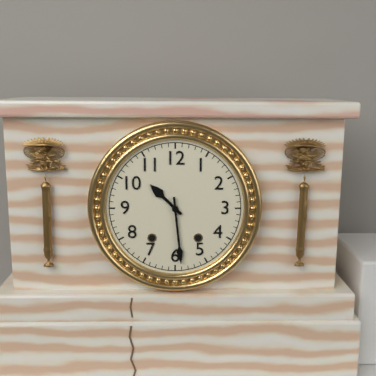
h=10 m=29
